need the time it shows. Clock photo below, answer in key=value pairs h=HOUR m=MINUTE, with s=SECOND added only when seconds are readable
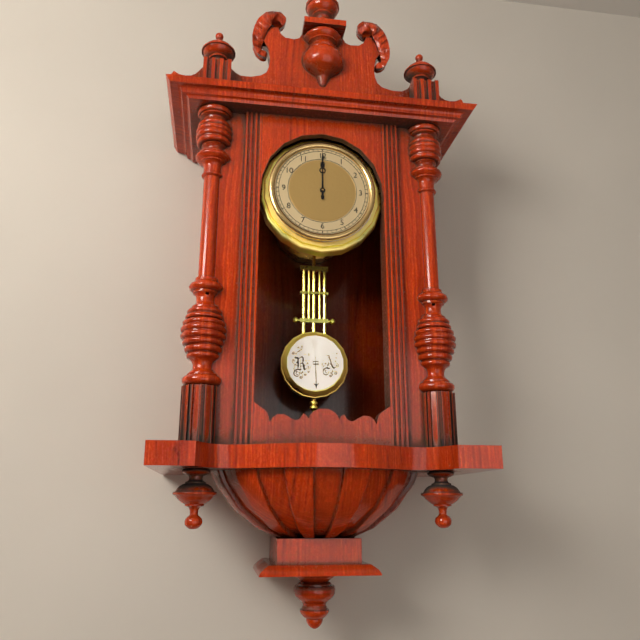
h=12 m=0
